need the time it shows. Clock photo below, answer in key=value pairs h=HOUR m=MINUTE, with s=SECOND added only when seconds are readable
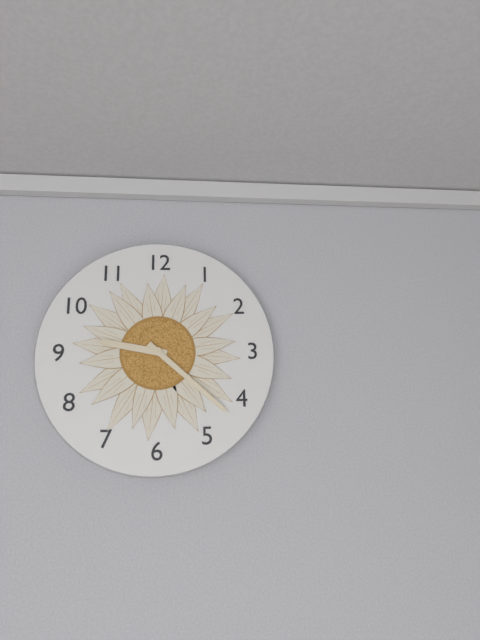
h=9 m=22
